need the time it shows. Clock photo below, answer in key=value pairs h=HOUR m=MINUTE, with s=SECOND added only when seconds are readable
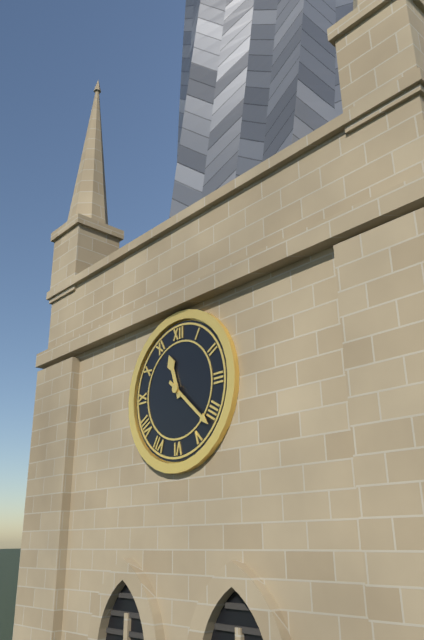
h=11 m=22
